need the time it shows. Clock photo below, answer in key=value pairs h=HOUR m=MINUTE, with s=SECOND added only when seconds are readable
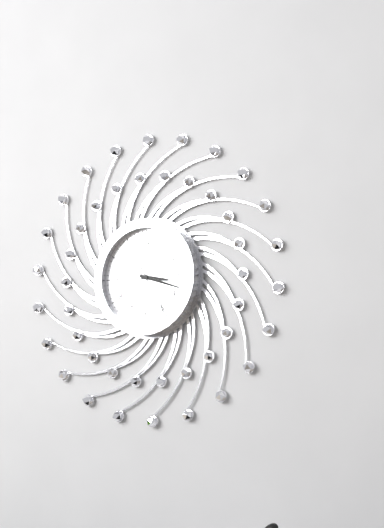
h=3 m=18
